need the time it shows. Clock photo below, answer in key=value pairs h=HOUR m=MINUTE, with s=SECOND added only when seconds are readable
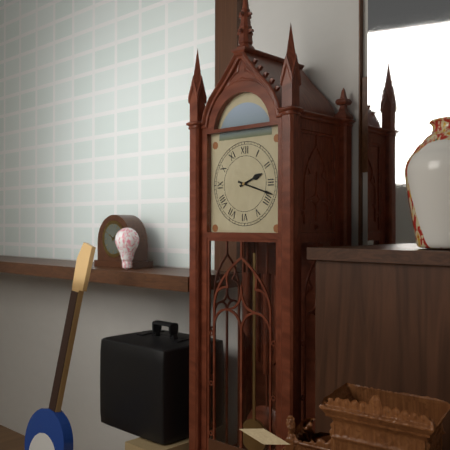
h=2 m=18
